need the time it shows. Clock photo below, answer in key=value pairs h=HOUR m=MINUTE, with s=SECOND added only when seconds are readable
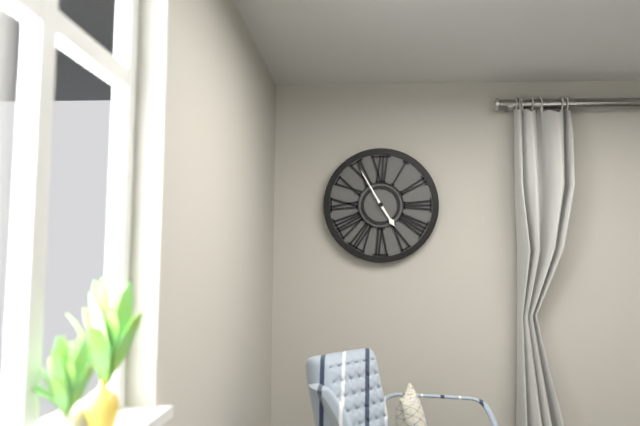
h=4 m=55
